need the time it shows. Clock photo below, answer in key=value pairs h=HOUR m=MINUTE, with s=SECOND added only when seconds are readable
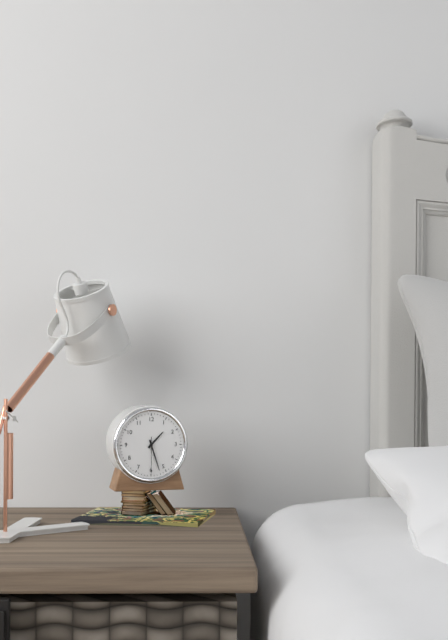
h=1 m=27
